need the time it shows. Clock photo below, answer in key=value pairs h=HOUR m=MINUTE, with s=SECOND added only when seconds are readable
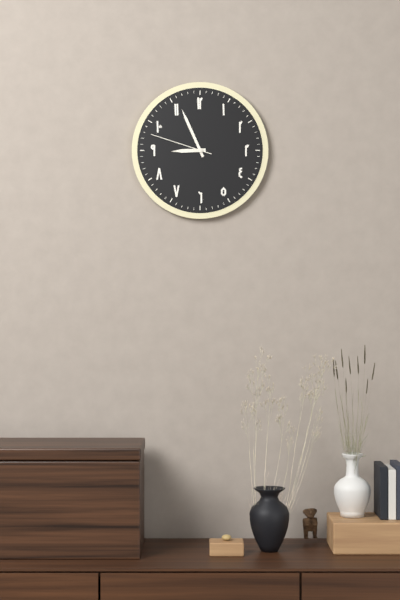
h=8 m=56 s=48
